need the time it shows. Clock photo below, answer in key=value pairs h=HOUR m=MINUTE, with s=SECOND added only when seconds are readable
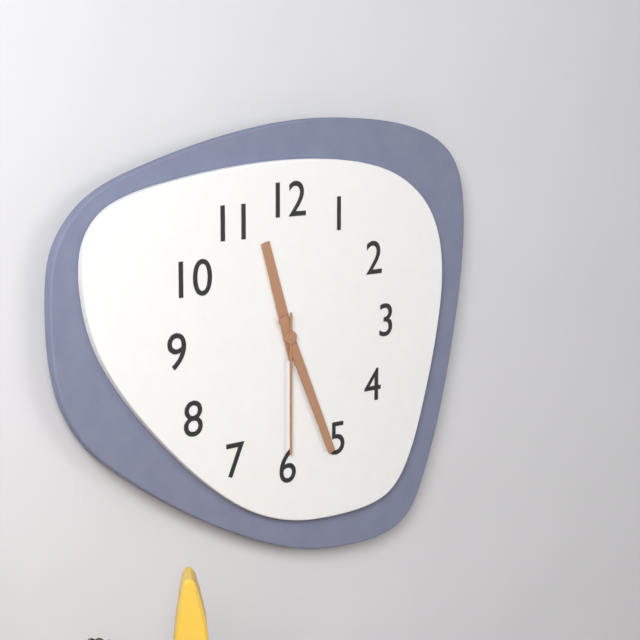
h=11 m=26 s=30
